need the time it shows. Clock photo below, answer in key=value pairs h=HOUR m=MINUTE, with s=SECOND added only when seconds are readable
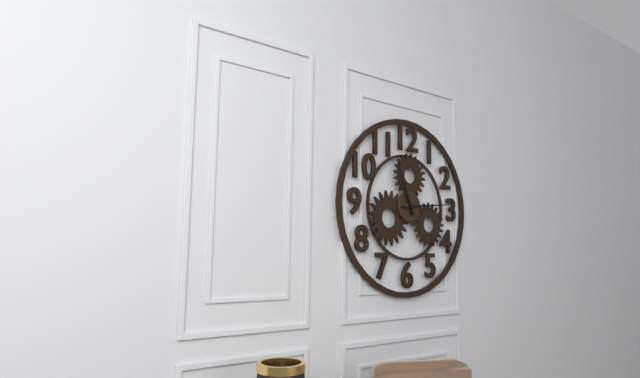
h=11 m=14
